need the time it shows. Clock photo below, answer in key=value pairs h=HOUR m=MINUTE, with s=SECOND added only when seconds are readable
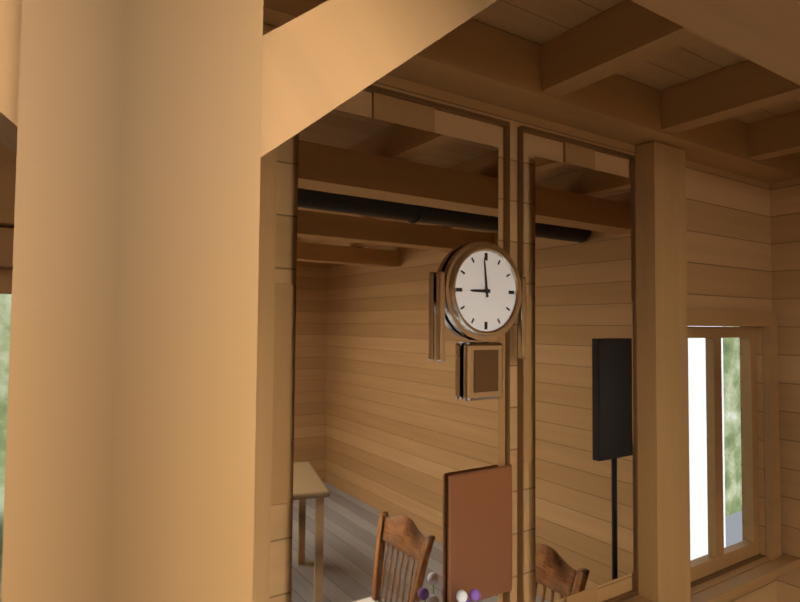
h=8 m=59
